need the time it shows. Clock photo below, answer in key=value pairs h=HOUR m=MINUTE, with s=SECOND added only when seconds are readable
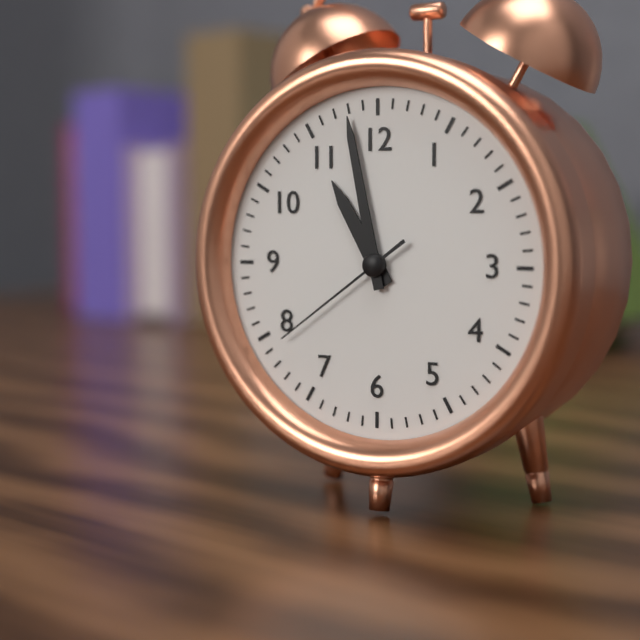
h=10 m=58 s=39
